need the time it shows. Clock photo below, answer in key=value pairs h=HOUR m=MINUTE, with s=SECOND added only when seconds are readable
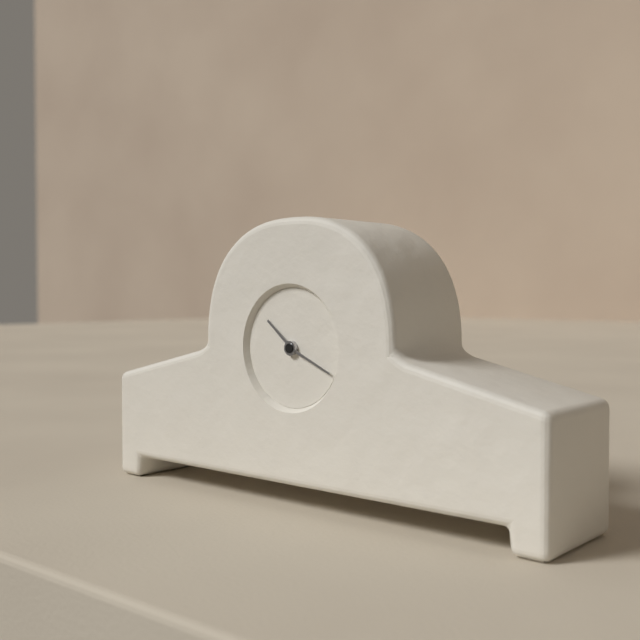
h=10 m=19
